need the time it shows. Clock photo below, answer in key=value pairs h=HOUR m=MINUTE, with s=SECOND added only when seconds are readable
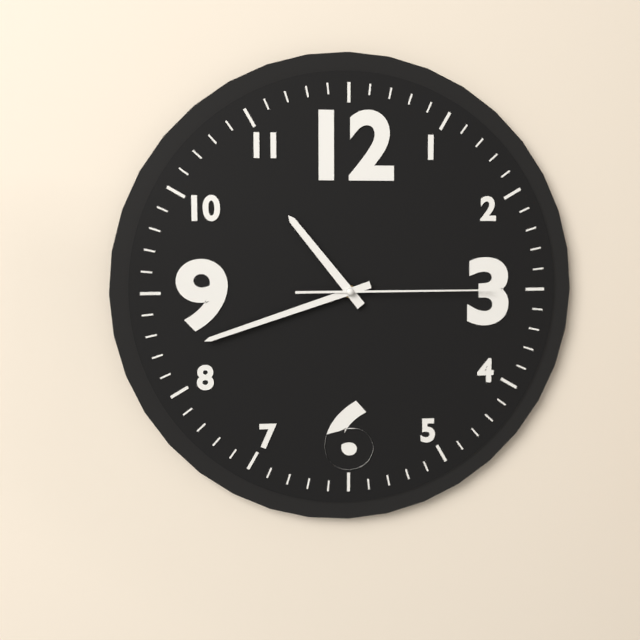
h=10 m=42 s=15
